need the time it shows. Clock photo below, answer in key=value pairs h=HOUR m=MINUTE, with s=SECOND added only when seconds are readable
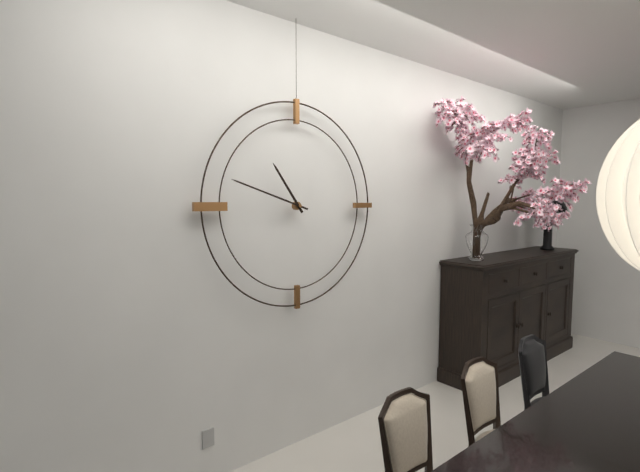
h=10 m=48
